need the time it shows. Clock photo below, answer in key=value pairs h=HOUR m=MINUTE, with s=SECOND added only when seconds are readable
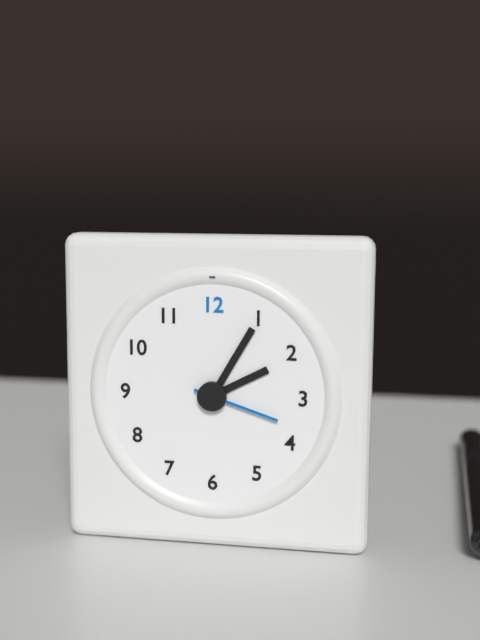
h=2 m=5 s=18
